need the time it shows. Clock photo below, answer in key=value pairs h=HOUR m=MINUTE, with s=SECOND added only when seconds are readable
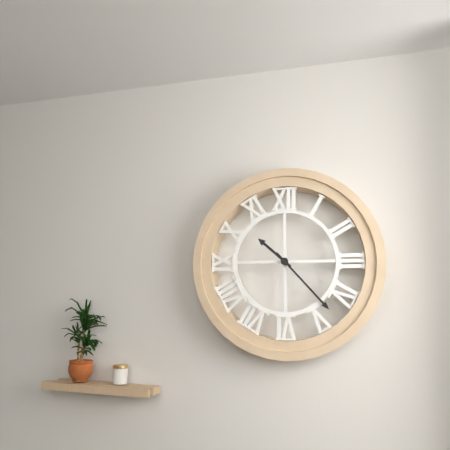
h=10 m=23
